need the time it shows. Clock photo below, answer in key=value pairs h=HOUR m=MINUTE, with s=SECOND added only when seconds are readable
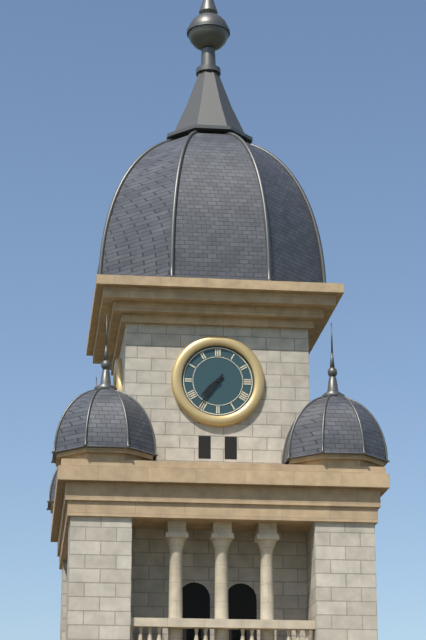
h=7 m=36
